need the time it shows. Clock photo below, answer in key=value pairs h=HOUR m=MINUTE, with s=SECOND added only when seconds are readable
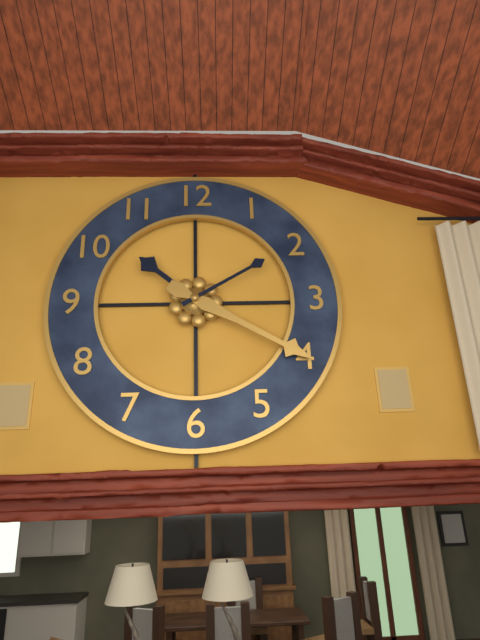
h=10 m=20 s=10
